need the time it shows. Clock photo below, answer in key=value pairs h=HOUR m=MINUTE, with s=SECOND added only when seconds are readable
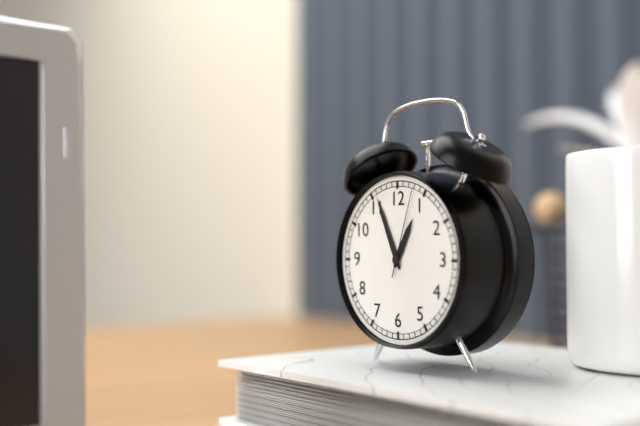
h=12 m=56 s=3
